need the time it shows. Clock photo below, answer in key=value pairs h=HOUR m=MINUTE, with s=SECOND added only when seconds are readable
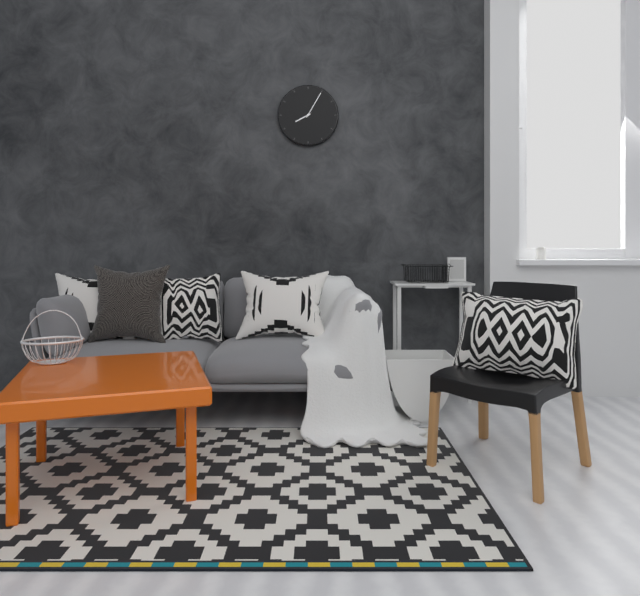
h=8 m=5
